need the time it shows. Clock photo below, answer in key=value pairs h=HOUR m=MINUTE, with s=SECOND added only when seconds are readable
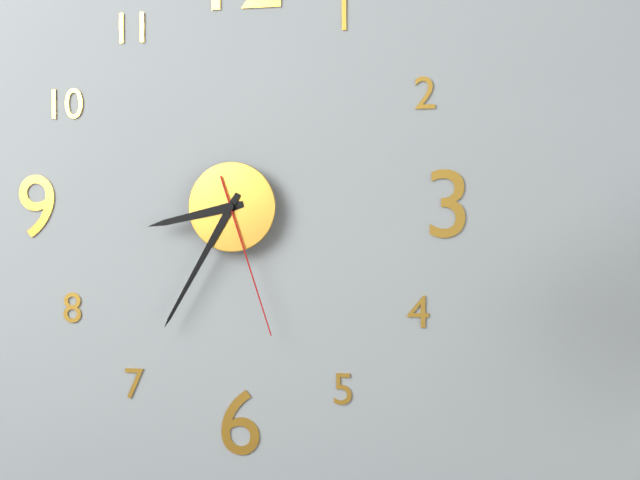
h=8 m=35 s=27
